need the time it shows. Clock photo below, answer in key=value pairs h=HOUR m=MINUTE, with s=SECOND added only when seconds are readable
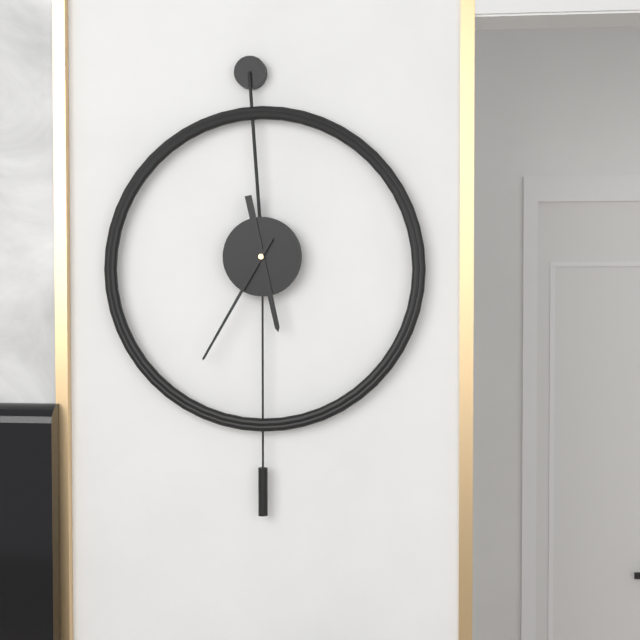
h=5 m=35
